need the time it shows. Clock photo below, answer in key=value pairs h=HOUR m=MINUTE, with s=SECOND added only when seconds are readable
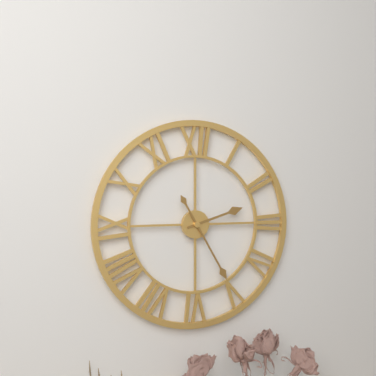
h=2 m=25
